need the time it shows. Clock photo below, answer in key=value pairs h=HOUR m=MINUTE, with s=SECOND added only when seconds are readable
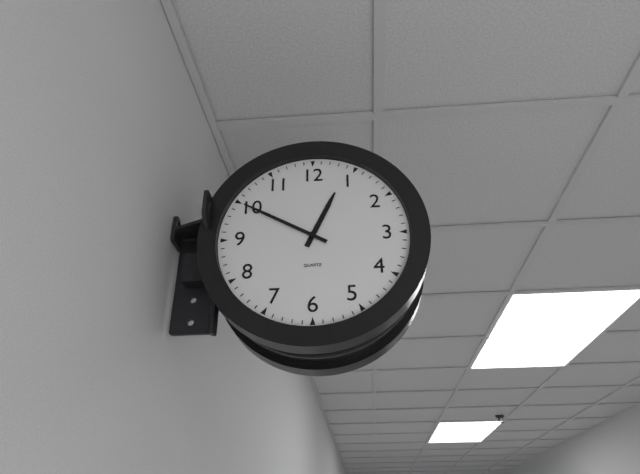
h=12 m=50
